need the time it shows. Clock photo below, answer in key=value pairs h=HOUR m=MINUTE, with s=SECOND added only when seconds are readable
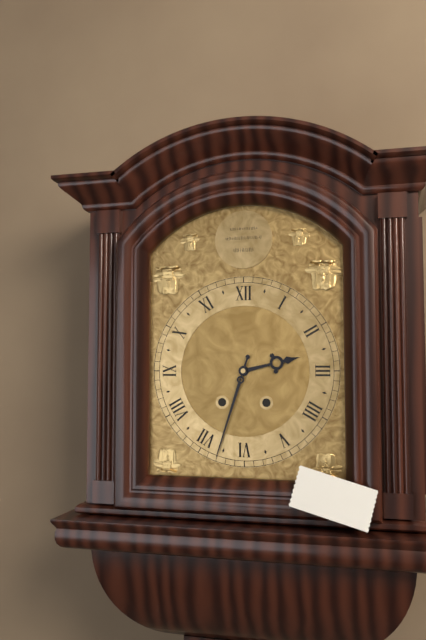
h=2 m=33
